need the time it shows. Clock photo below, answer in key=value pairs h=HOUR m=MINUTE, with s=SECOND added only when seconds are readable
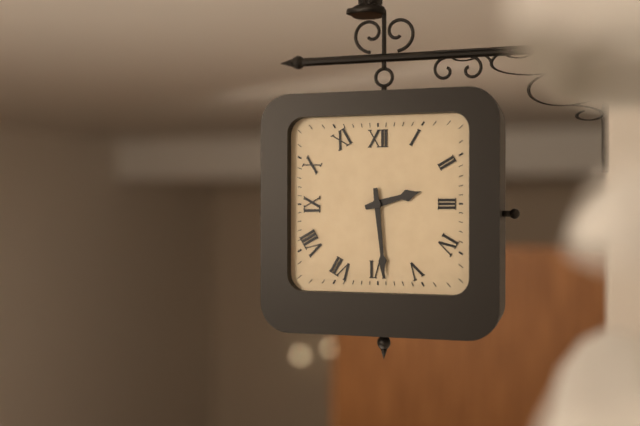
h=2 m=29
